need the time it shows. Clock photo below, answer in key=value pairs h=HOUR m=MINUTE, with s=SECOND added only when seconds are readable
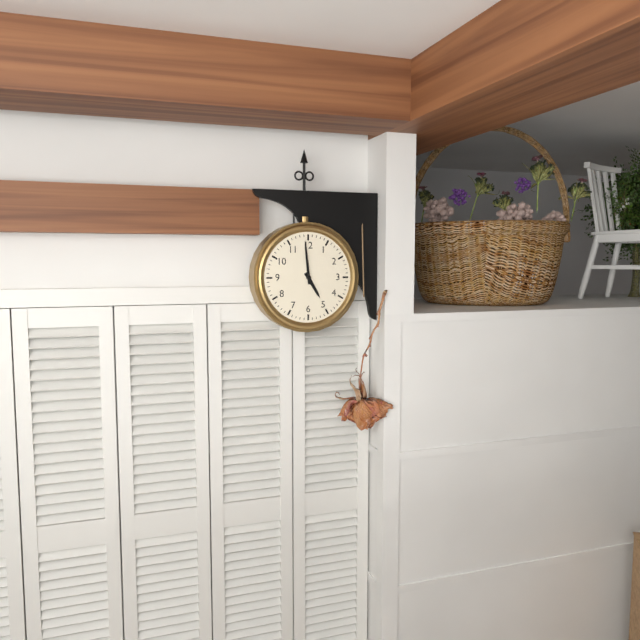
h=4 m=59
